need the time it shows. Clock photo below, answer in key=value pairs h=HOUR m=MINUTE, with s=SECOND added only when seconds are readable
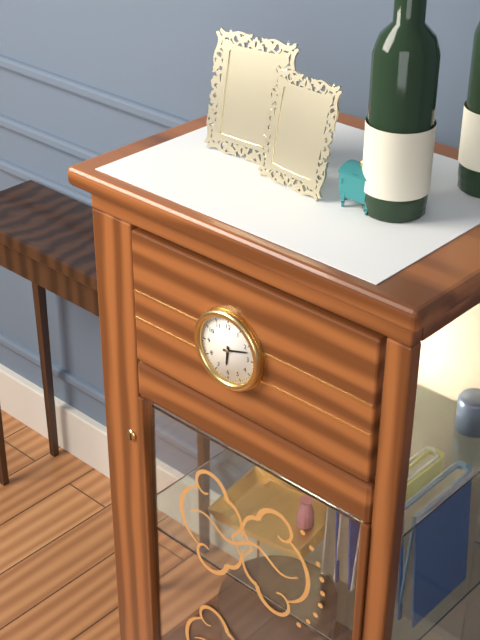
h=6 m=12
